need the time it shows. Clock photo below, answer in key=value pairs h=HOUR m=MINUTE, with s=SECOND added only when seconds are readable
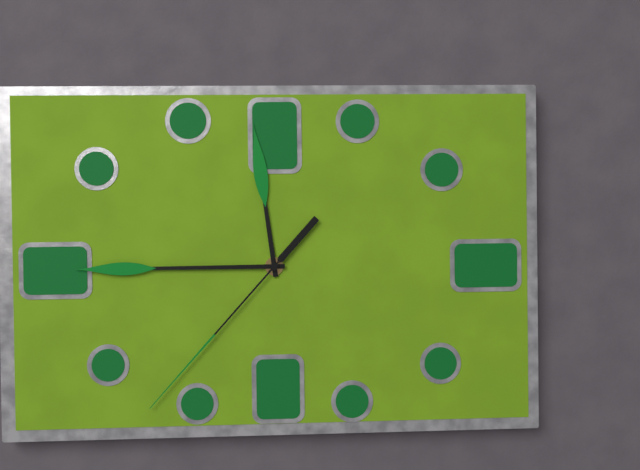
h=11 m=45 s=37
